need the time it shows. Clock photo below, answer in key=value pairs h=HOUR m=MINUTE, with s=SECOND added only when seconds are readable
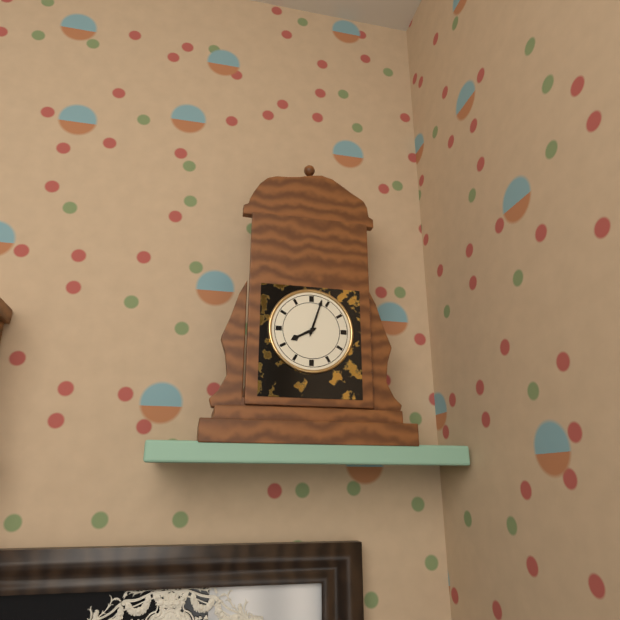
h=8 m=3
